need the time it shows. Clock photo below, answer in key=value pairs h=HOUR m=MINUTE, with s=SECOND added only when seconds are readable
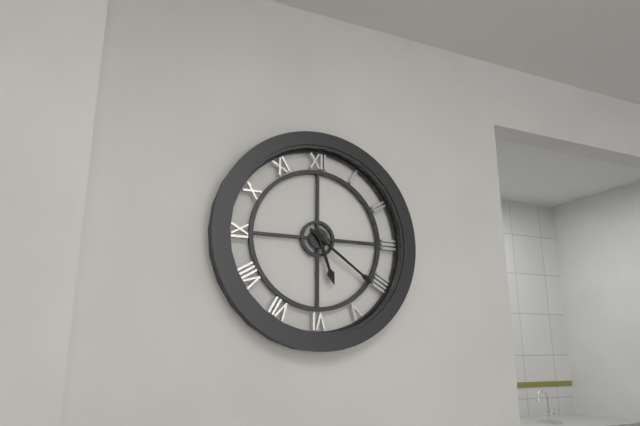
h=5 m=21
